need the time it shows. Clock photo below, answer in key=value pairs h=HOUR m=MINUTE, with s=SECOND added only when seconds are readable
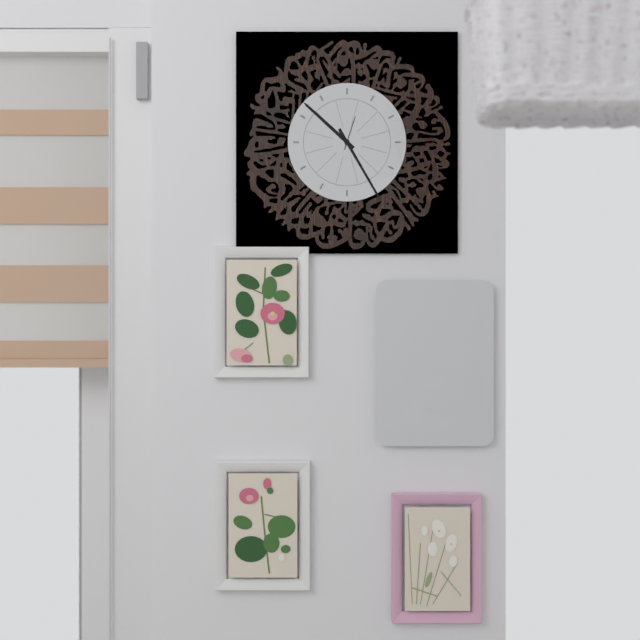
h=10 m=25
